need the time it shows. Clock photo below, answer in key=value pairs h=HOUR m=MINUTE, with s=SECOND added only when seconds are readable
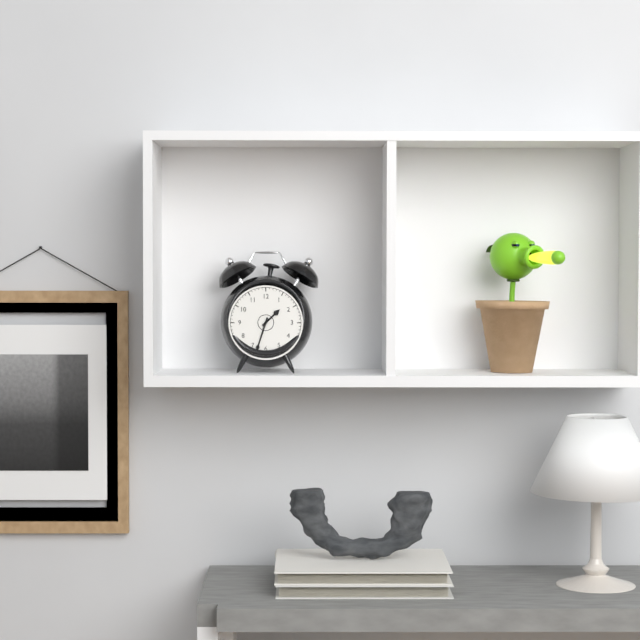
h=1 m=33
